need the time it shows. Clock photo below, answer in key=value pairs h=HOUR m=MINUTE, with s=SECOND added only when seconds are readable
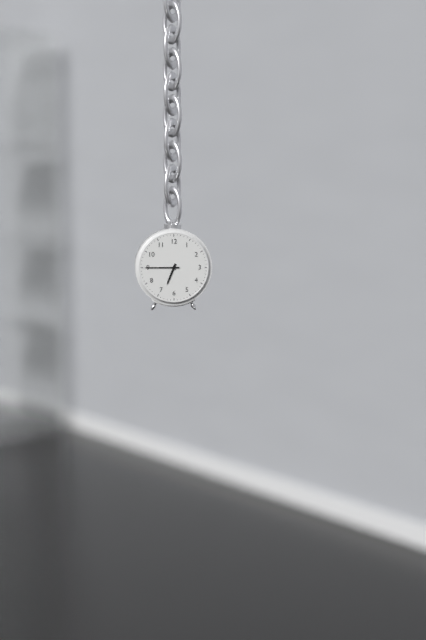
h=6 m=45
